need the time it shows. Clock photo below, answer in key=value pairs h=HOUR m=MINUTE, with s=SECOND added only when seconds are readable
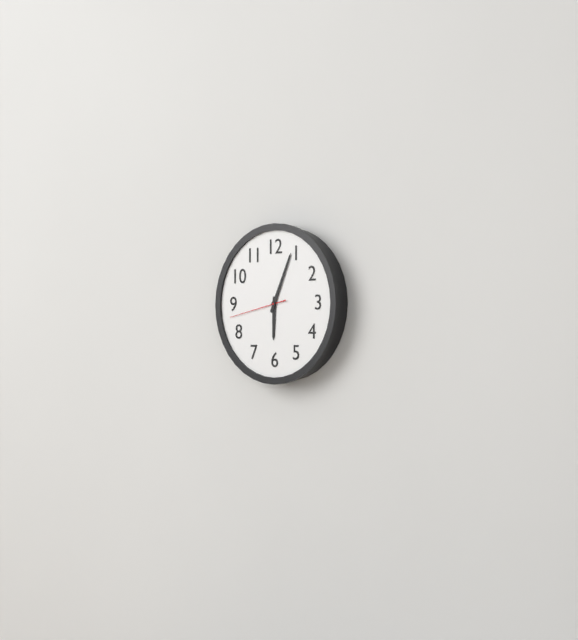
h=6 m=4 s=43
